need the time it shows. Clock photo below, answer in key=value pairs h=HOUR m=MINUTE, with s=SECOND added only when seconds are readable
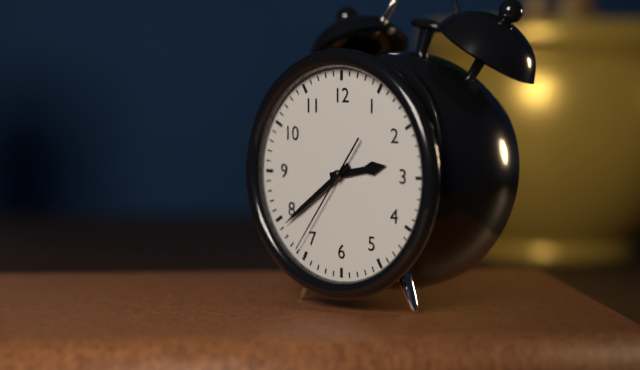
h=2 m=39 s=36
